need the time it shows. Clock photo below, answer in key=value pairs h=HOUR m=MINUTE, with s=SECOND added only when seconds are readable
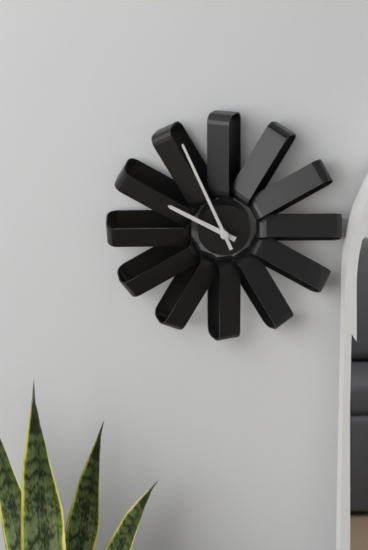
h=9 m=56
